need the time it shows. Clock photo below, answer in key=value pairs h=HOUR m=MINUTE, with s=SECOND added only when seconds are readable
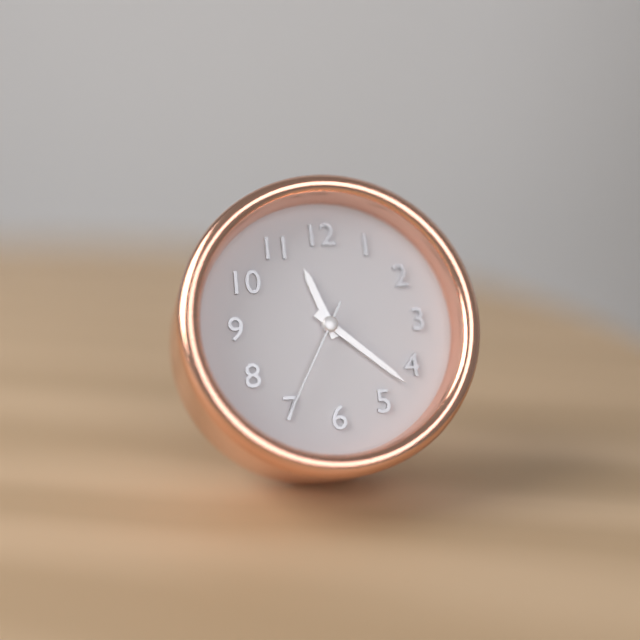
h=11 m=22 s=35
